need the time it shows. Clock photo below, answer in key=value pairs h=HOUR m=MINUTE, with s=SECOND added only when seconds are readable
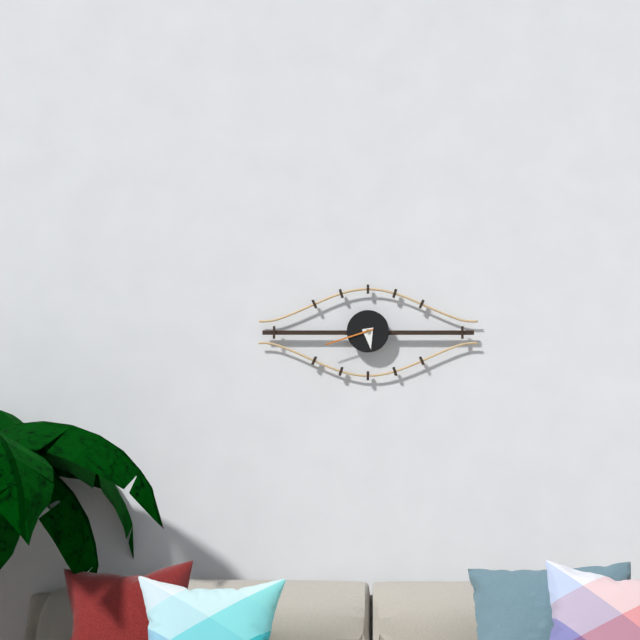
h=5 m=42
